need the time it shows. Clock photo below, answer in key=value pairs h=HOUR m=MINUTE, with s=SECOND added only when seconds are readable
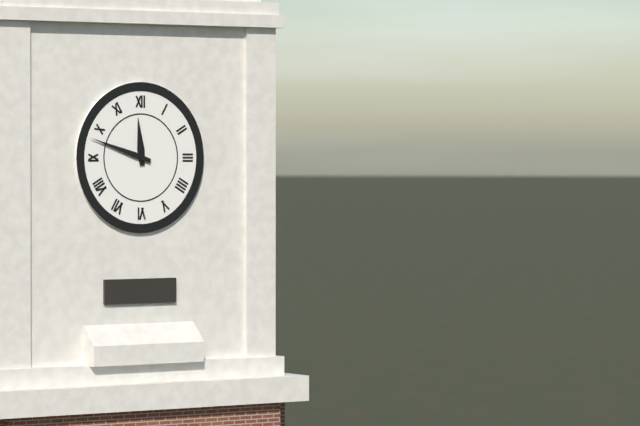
h=11 m=48
